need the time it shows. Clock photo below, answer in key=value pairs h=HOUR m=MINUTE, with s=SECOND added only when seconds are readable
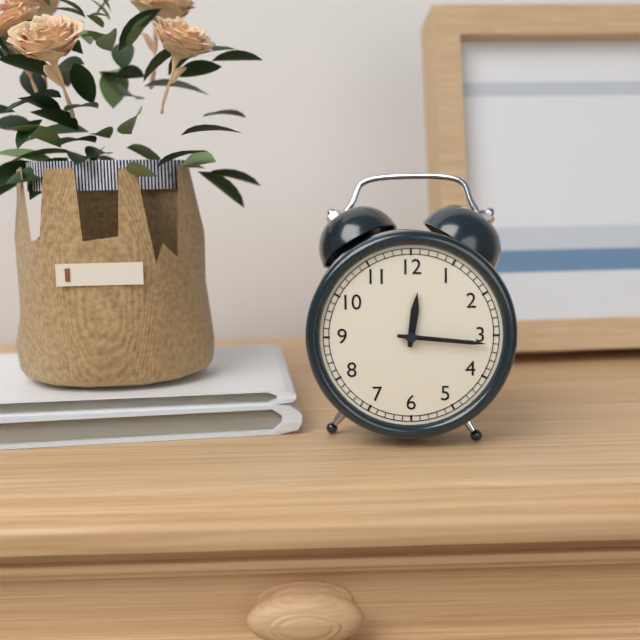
h=12 m=16
